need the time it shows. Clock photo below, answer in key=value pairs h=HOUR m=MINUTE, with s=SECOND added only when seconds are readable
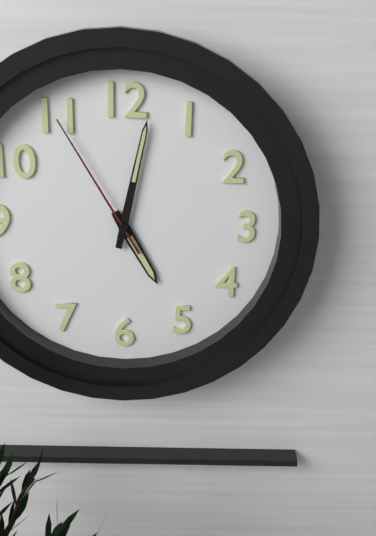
h=5 m=2 s=55
